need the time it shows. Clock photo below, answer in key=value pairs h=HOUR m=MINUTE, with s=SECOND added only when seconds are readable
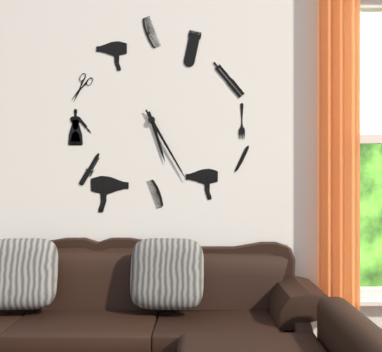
h=5 m=25
